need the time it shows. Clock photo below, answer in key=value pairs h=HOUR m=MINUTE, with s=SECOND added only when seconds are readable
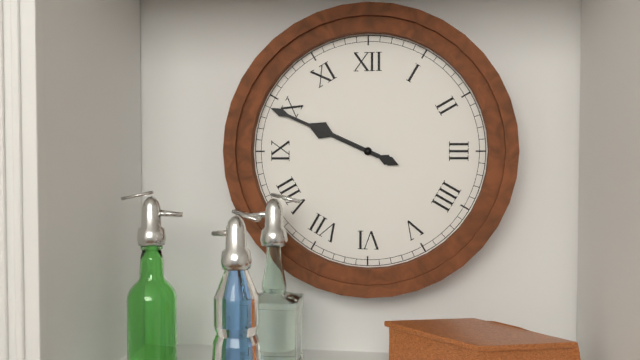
h=9 m=49
